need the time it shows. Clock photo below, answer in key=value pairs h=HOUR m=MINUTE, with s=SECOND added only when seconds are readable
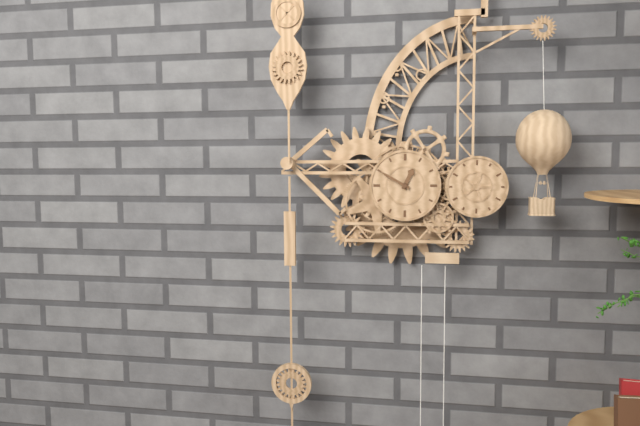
h=12 m=50
